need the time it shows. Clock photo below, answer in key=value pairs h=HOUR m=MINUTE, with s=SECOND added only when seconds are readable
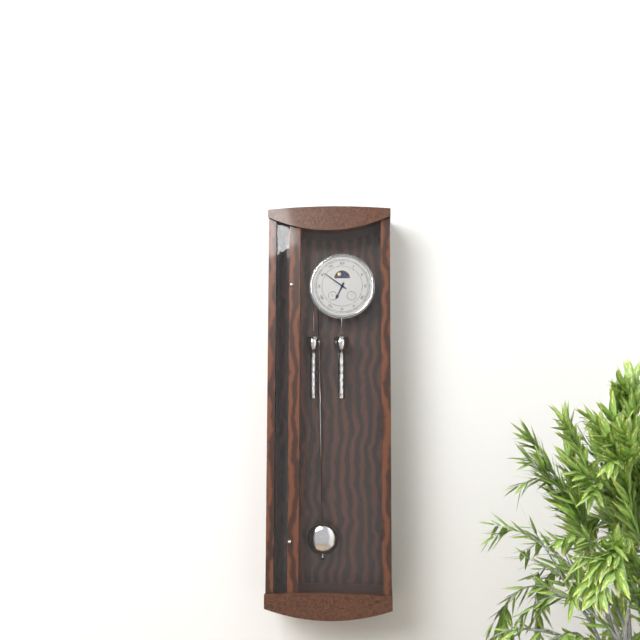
h=6 m=51
